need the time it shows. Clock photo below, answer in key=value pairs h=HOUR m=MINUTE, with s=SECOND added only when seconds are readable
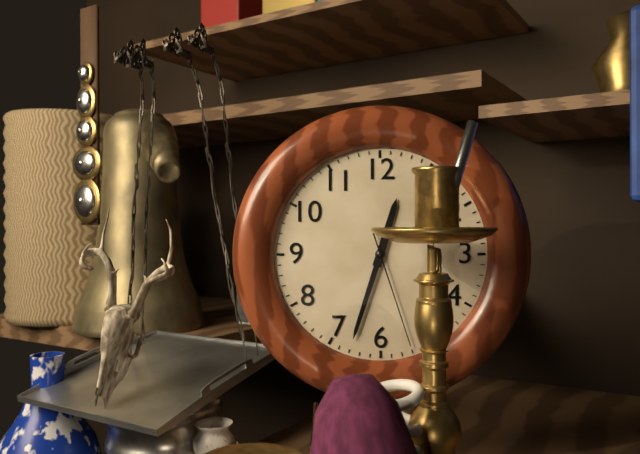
h=12 m=33 s=27
